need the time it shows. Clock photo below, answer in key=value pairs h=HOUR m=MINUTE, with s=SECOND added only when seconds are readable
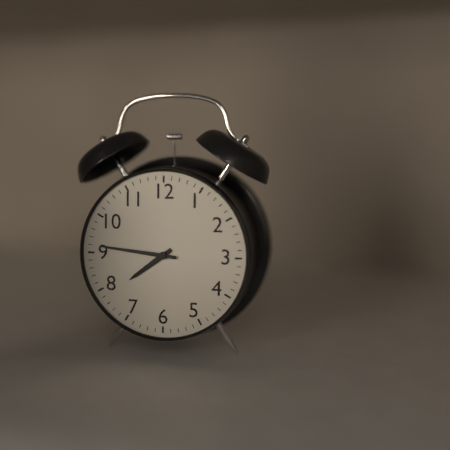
h=7 m=46
